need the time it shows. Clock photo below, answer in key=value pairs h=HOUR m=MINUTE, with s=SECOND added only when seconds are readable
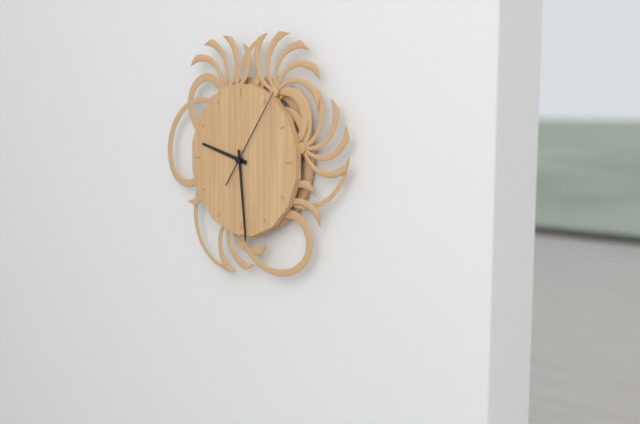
h=9 m=29 s=6
